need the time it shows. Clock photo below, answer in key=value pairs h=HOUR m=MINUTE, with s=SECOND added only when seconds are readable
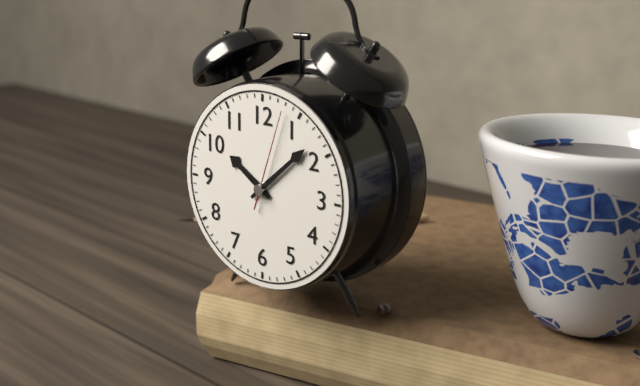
h=10 m=8 s=3
